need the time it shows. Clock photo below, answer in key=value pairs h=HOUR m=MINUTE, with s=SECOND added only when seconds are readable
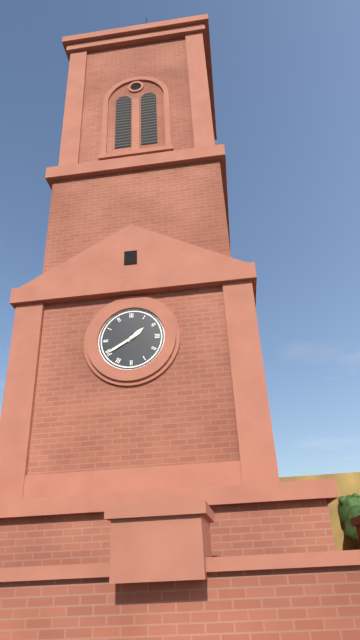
h=1 m=40
